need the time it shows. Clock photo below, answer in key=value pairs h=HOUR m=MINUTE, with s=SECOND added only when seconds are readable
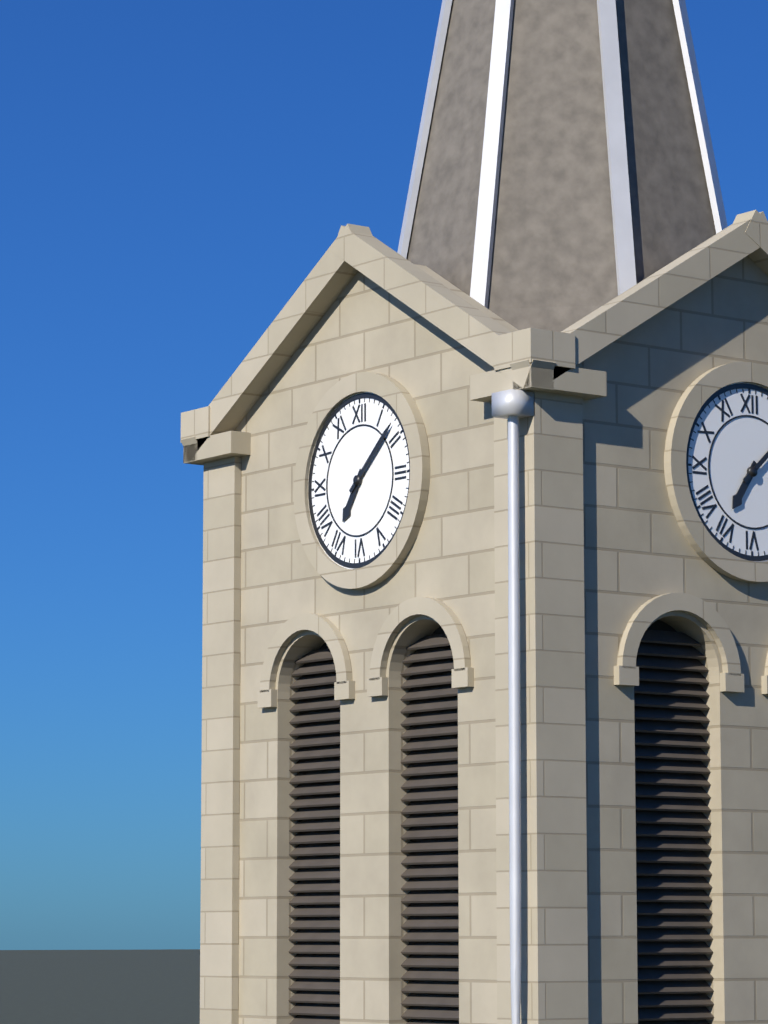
h=7 m=8
